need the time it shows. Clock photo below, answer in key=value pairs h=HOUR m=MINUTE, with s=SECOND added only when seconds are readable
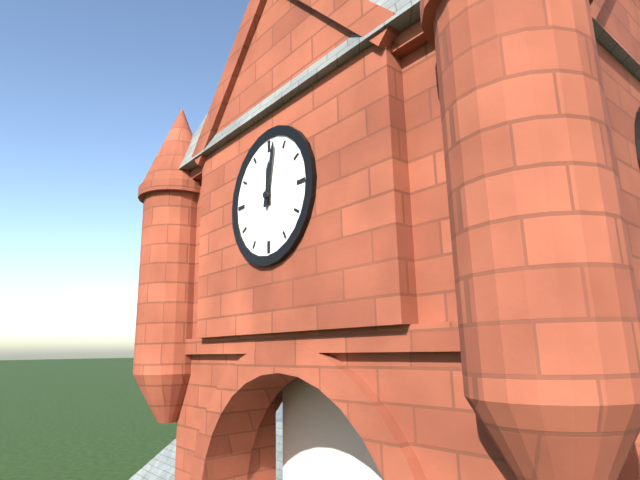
h=12 m=2
